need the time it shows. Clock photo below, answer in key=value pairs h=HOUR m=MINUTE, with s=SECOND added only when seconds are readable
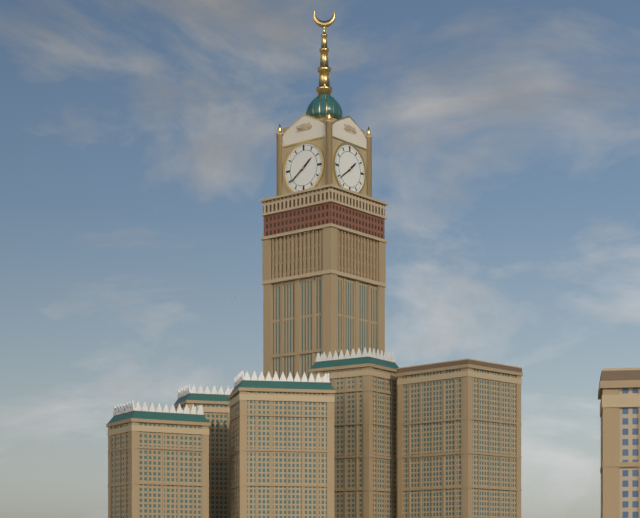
h=1 m=39
